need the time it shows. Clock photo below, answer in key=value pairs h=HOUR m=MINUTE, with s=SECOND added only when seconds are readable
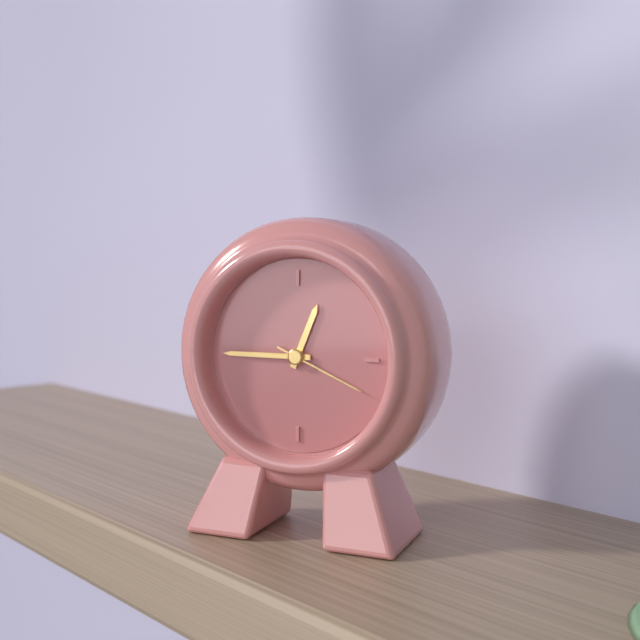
h=12 m=45 s=19
